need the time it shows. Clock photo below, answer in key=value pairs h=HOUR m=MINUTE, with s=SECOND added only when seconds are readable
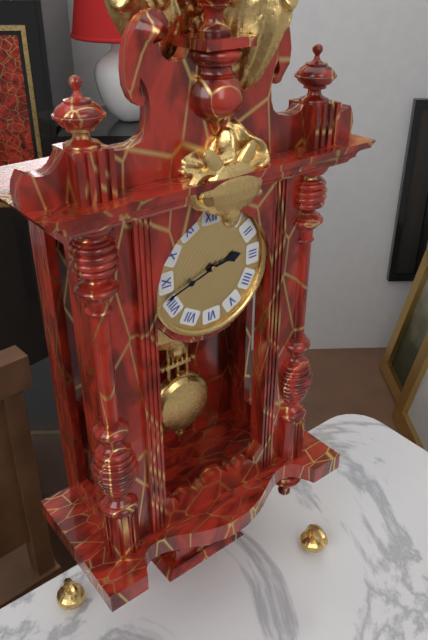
h=2 m=42
